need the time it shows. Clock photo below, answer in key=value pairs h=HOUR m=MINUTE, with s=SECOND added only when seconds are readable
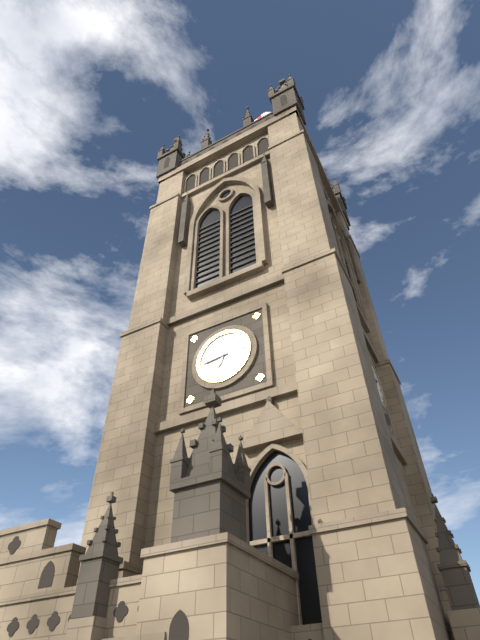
h=6 m=44
